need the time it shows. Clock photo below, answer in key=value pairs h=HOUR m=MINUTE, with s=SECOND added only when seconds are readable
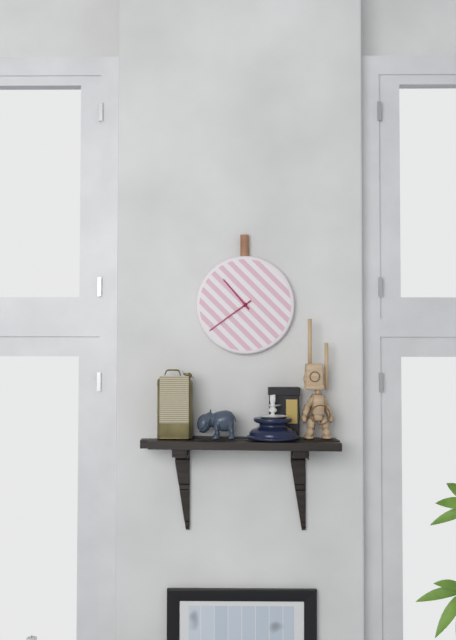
h=10 m=39
